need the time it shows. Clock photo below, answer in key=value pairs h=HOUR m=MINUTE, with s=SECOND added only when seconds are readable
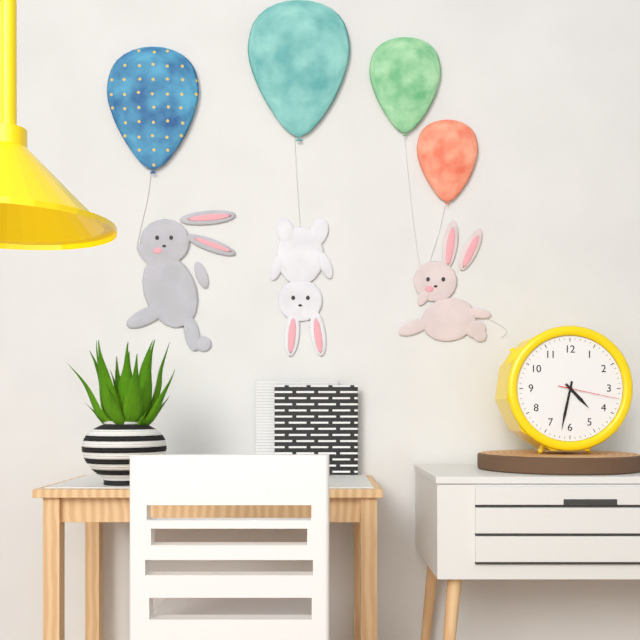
h=4 m=32 s=17
